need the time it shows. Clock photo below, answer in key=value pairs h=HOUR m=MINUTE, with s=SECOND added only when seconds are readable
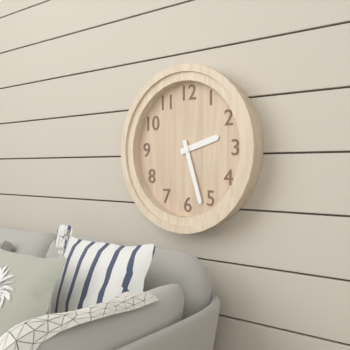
h=2 m=27
